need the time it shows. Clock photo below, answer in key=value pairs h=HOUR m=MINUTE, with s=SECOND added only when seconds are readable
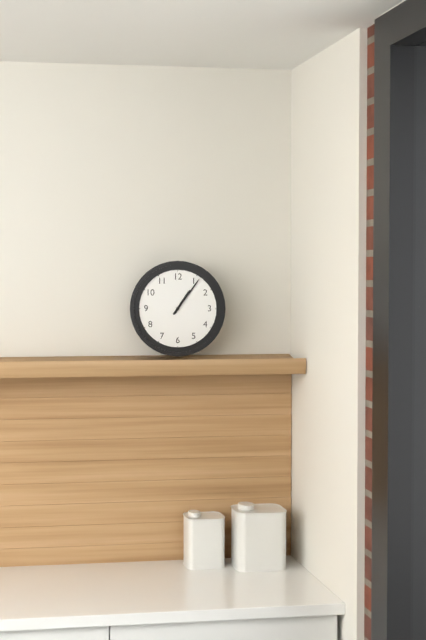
h=1 m=6
